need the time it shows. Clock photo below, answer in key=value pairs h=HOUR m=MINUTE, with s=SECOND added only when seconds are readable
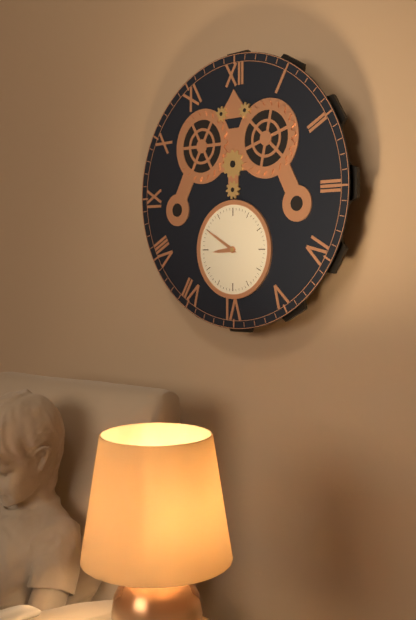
h=8 m=50
